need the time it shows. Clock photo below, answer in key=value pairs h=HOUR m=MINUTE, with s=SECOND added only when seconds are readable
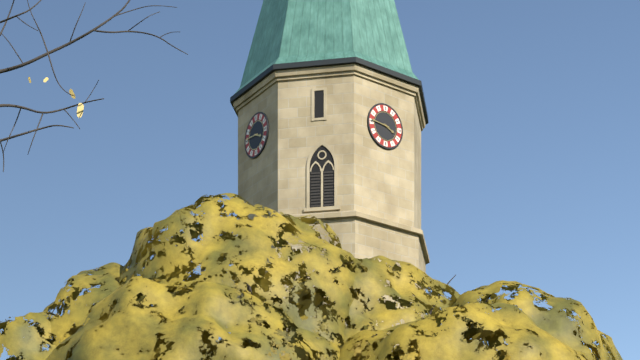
h=3 m=46
